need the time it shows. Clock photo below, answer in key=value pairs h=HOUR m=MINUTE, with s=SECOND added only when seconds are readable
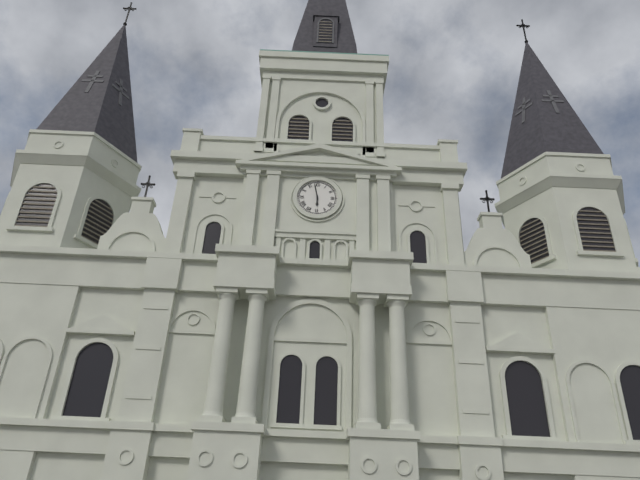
h=5 m=58
